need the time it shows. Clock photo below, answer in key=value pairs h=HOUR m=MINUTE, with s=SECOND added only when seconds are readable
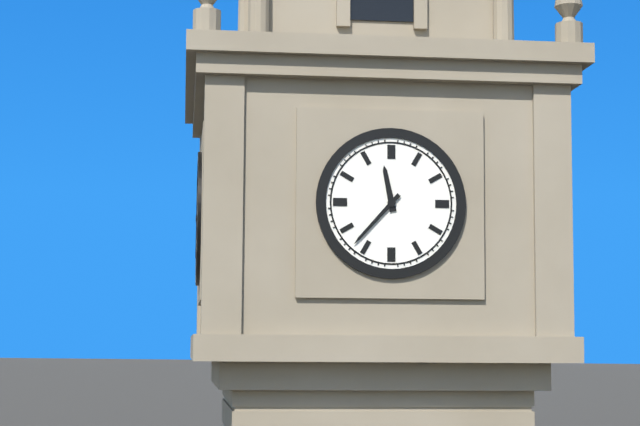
h=11 m=37
